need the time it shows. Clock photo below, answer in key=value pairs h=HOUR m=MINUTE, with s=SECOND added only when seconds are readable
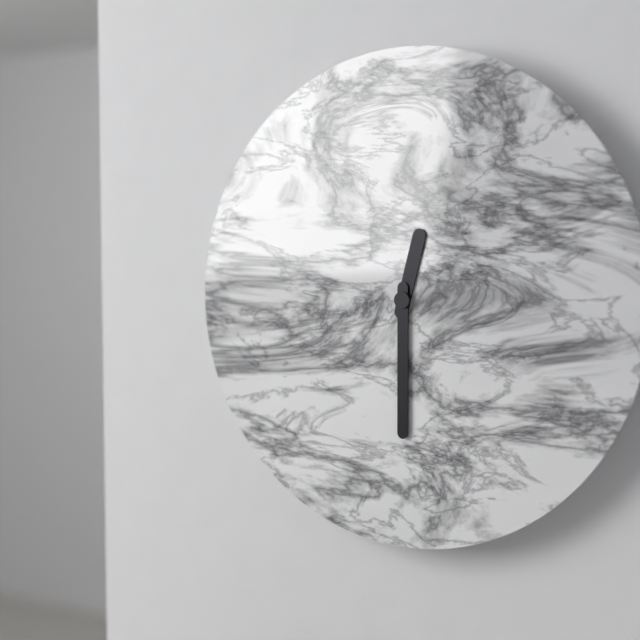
h=12 m=30
